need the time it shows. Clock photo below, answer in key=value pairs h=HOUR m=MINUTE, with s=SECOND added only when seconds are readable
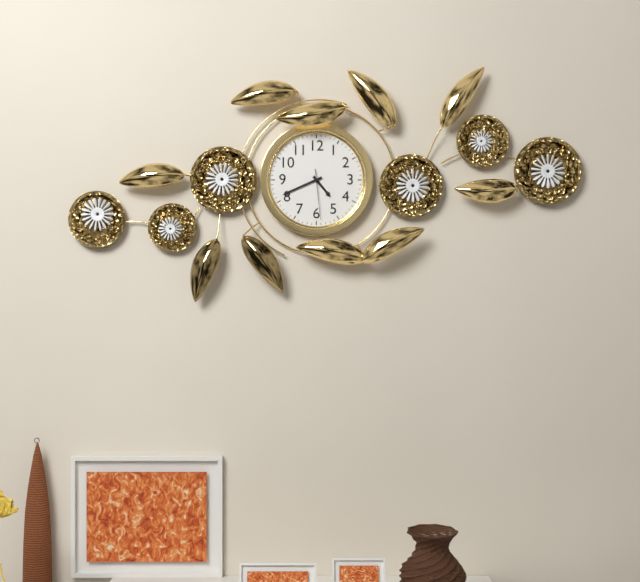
h=4 m=41 s=29
